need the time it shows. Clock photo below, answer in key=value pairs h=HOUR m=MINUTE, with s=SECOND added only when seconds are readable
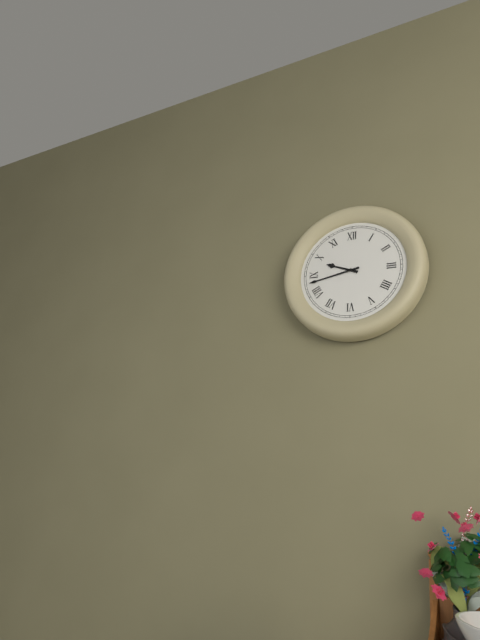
h=9 m=43
